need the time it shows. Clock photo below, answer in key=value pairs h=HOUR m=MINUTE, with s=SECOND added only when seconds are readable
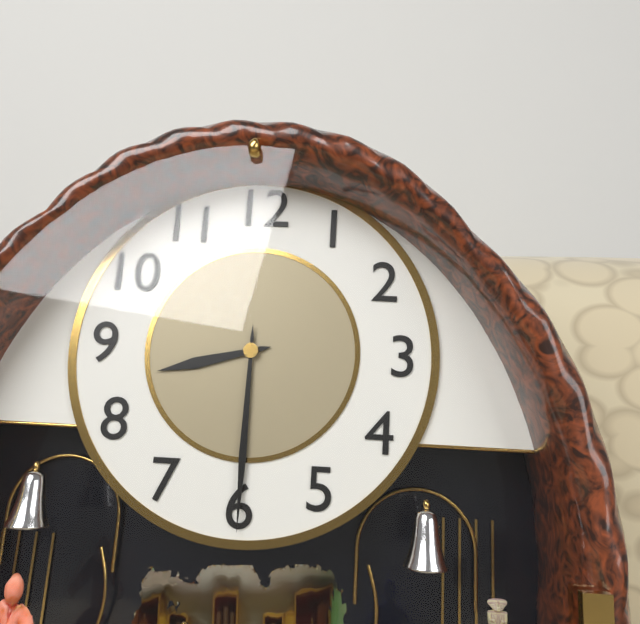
h=8 m=30
